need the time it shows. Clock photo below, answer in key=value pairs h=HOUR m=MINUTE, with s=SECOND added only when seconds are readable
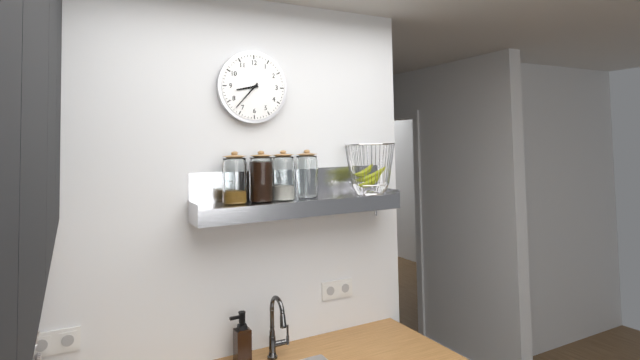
h=8 m=37
